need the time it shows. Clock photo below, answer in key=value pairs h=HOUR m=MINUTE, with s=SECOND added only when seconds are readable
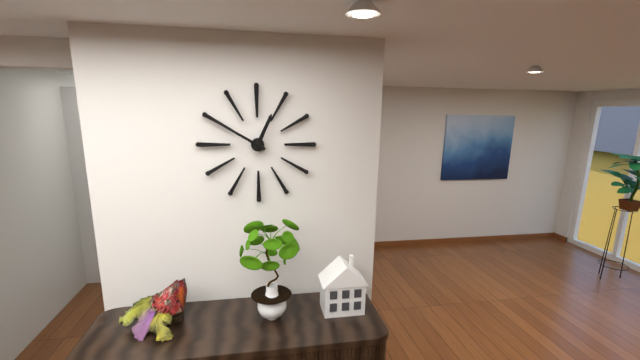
h=12 m=50
